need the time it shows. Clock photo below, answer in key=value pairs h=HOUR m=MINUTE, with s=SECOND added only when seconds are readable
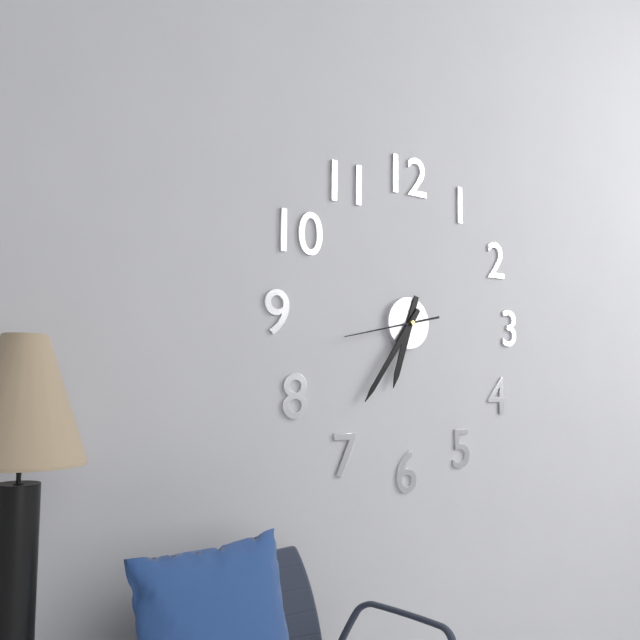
h=6 m=36 s=43
